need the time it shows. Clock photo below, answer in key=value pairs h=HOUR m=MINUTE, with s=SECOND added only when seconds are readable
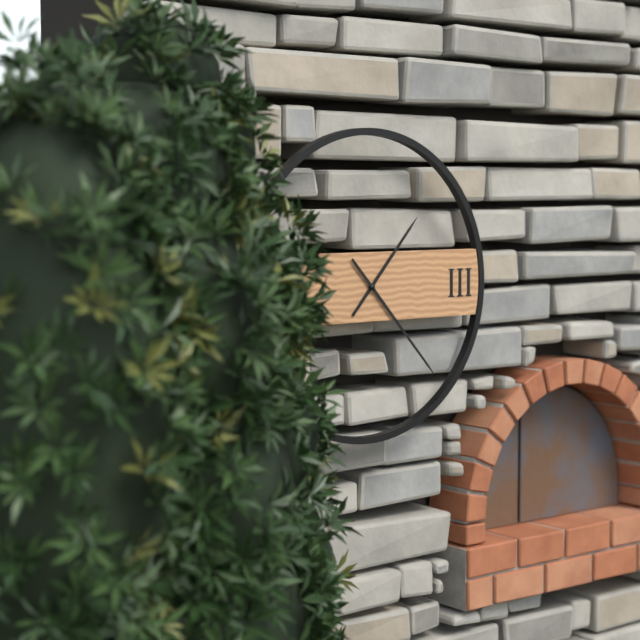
h=1 m=23
